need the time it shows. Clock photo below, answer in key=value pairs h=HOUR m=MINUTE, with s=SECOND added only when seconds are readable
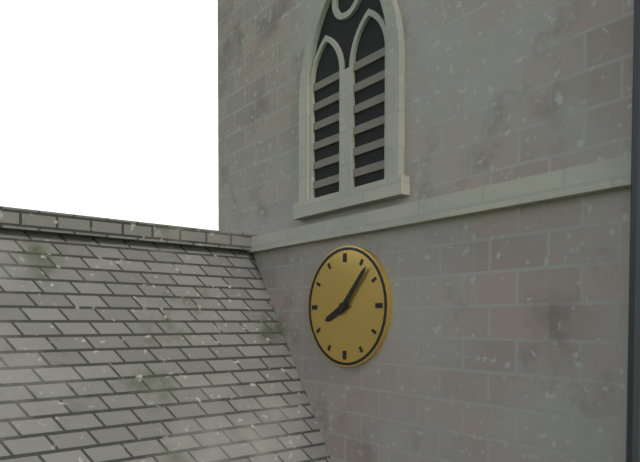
h=8 m=7
